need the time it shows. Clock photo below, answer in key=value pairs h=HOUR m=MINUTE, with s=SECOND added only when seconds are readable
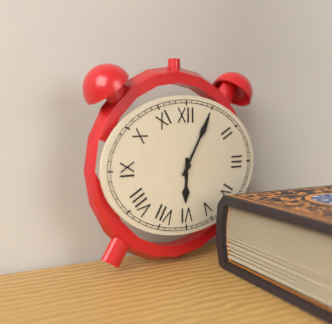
h=6 m=5
